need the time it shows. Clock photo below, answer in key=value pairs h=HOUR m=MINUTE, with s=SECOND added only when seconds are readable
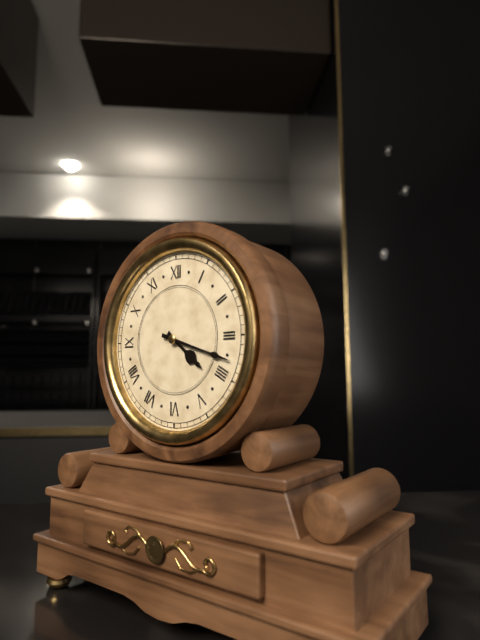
h=4 m=18
